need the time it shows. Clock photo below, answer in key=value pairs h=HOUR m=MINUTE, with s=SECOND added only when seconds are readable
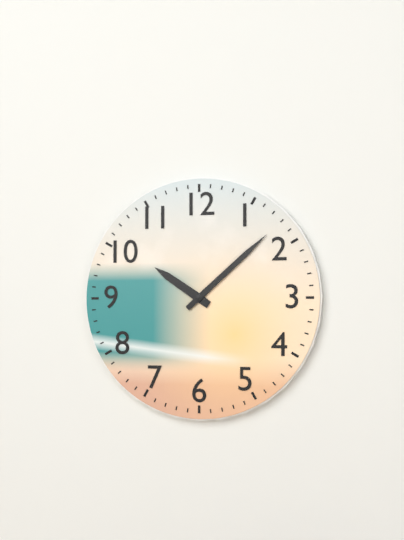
h=10 m=8
